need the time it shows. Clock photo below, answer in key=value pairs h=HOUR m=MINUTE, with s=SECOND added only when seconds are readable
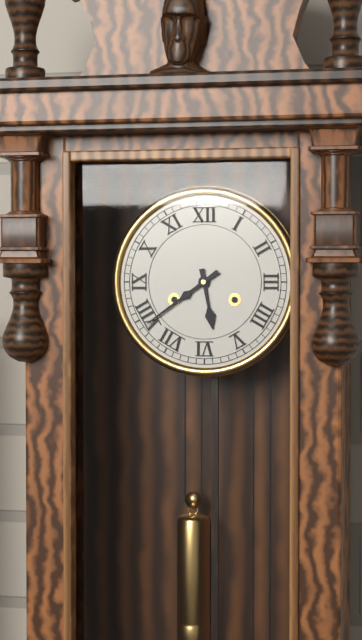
h=5 m=39
